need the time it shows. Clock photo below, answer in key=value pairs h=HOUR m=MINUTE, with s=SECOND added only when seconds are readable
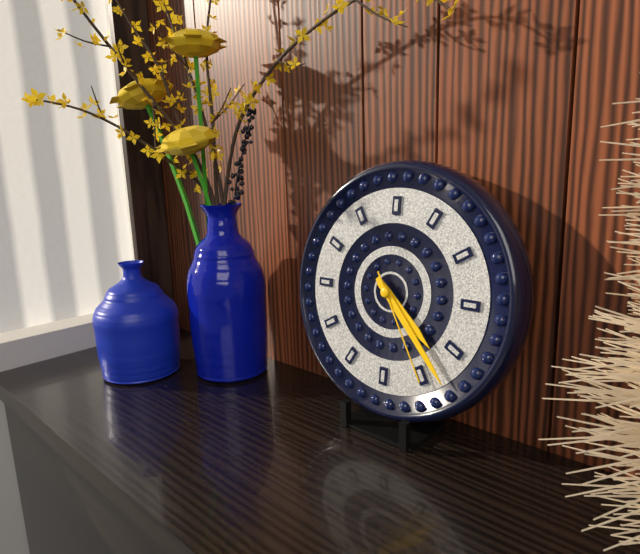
h=4 m=23 s=25
